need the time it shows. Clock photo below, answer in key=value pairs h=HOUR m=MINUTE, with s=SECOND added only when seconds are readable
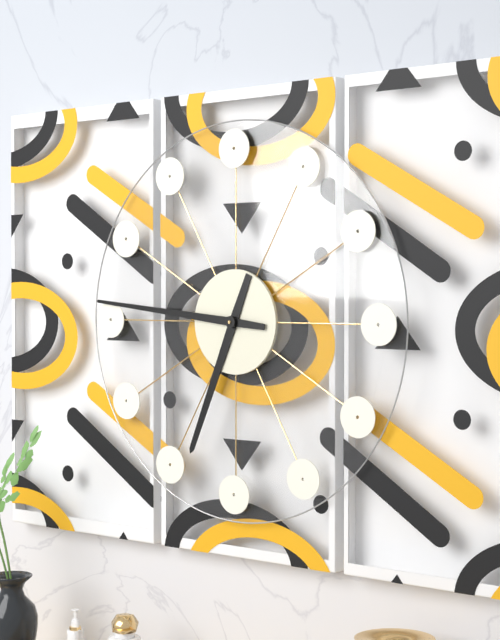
h=6 m=46
